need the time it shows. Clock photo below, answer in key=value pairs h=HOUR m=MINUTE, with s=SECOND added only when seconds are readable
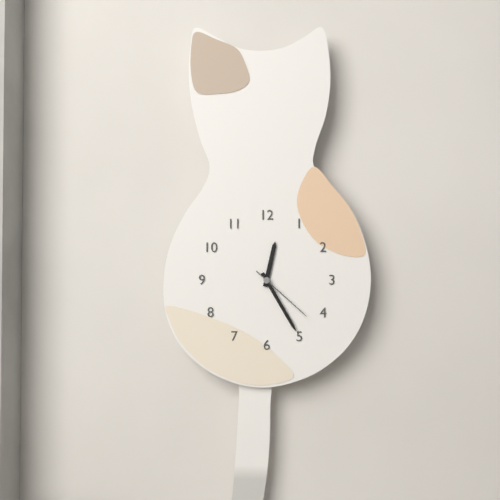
h=12 m=25 s=22
